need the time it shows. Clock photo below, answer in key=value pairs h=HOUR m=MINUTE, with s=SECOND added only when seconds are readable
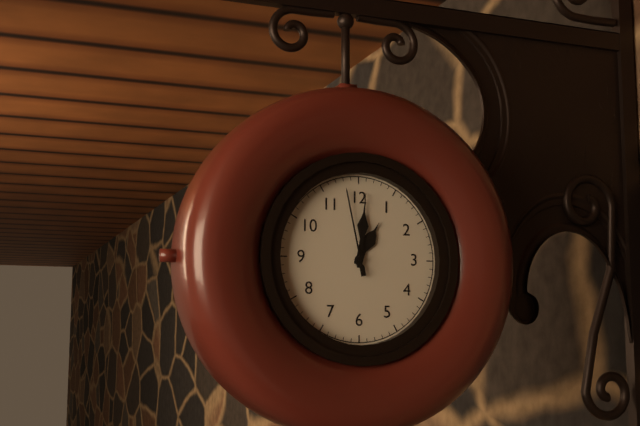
h=1 m=1 s=58
